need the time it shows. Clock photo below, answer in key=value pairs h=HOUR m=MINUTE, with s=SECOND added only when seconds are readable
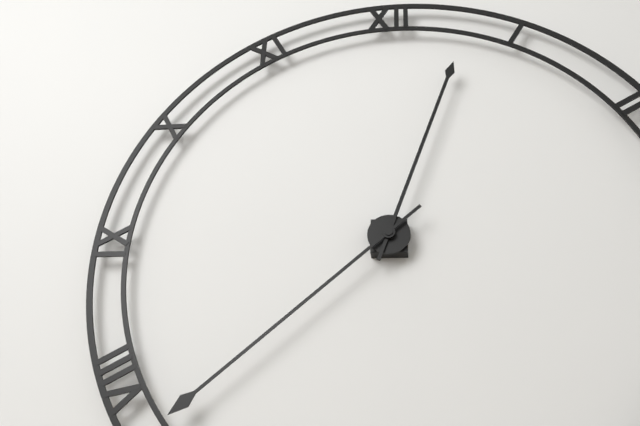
h=12 m=38
